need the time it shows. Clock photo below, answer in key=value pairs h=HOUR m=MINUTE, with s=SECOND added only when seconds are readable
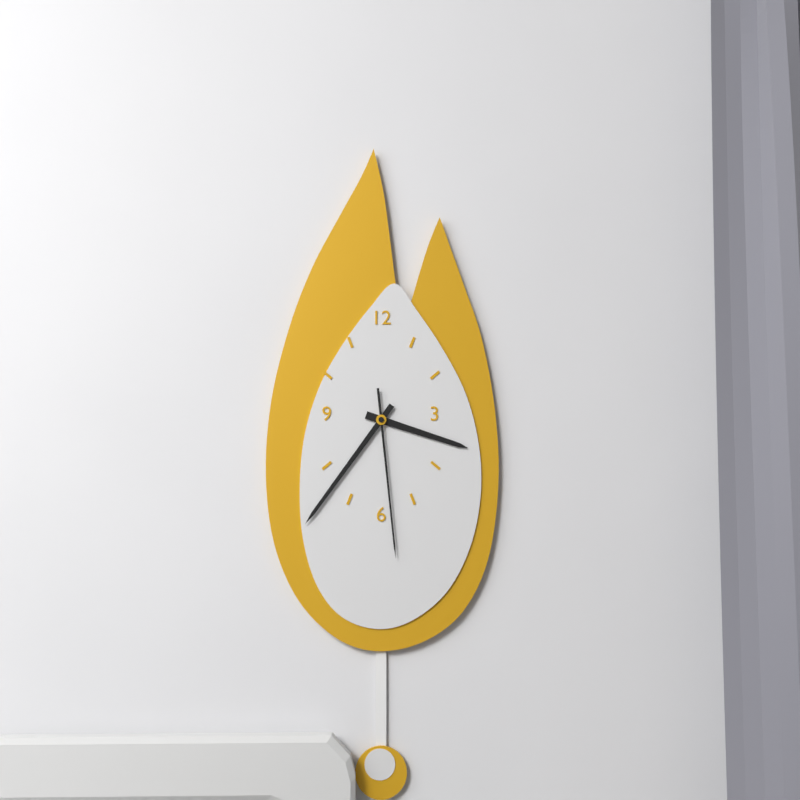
h=3 m=36 s=29
